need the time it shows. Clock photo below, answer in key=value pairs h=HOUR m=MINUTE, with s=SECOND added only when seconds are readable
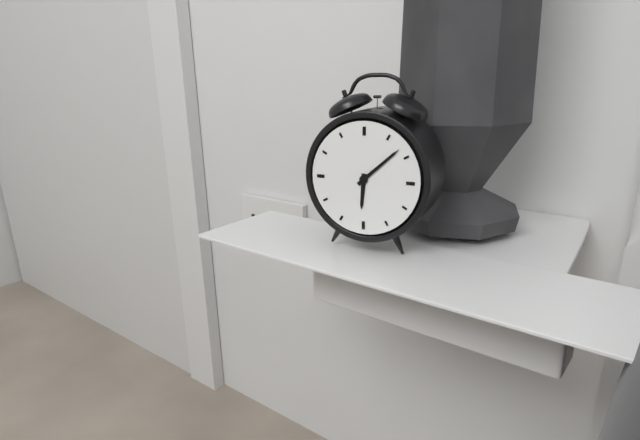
h=6 m=8
